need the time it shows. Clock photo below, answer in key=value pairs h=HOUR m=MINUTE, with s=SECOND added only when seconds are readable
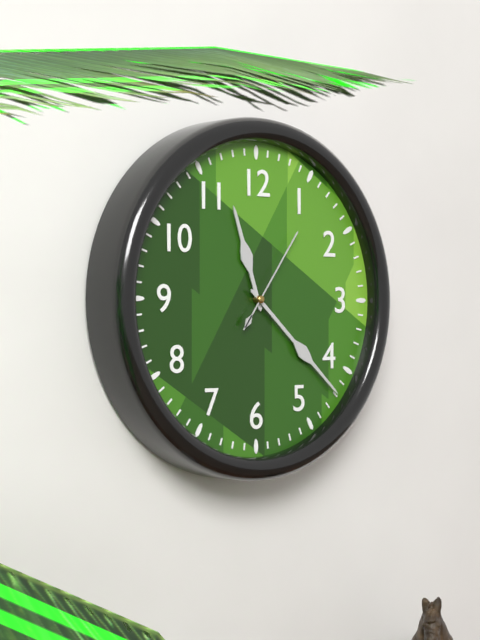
h=11 m=22 s=6
